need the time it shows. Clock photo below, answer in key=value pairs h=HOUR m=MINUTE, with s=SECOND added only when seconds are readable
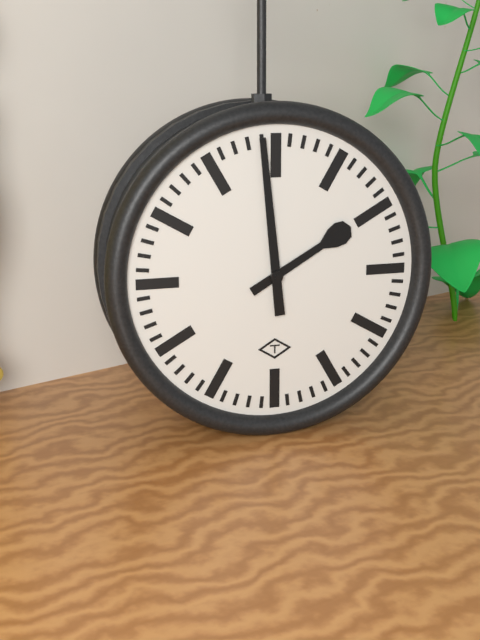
h=1 m=59
